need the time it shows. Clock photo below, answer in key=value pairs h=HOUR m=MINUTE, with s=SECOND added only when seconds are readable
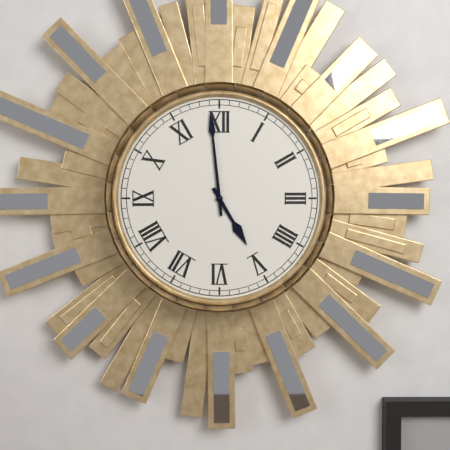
h=4 m=59
